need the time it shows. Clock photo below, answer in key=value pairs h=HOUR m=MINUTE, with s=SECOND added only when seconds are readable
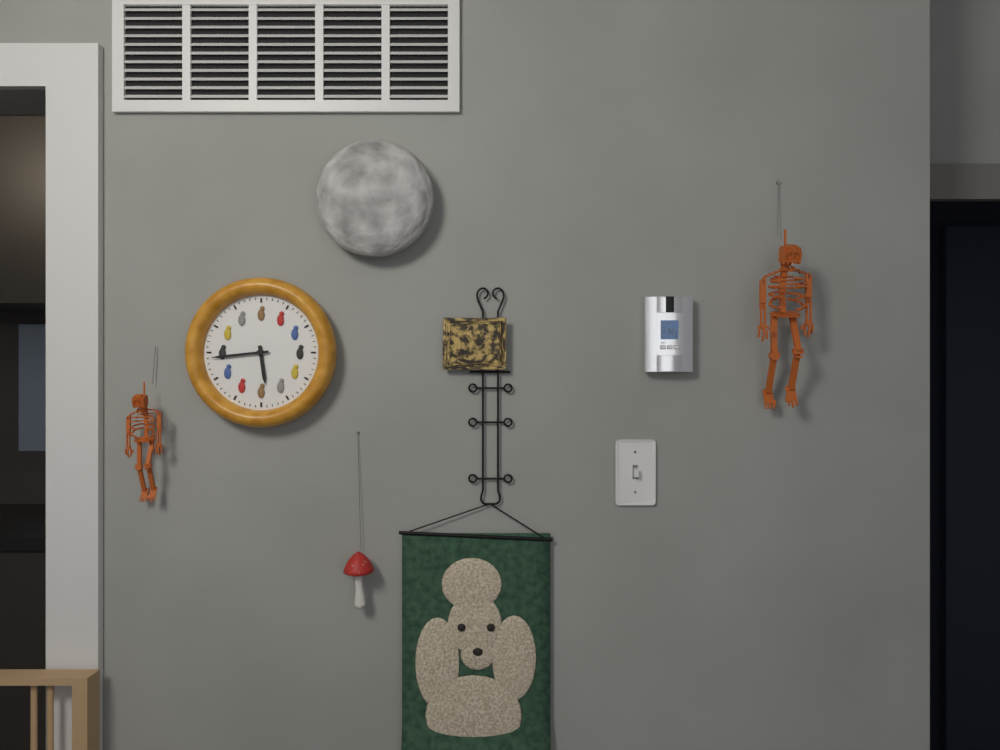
h=5 m=44
